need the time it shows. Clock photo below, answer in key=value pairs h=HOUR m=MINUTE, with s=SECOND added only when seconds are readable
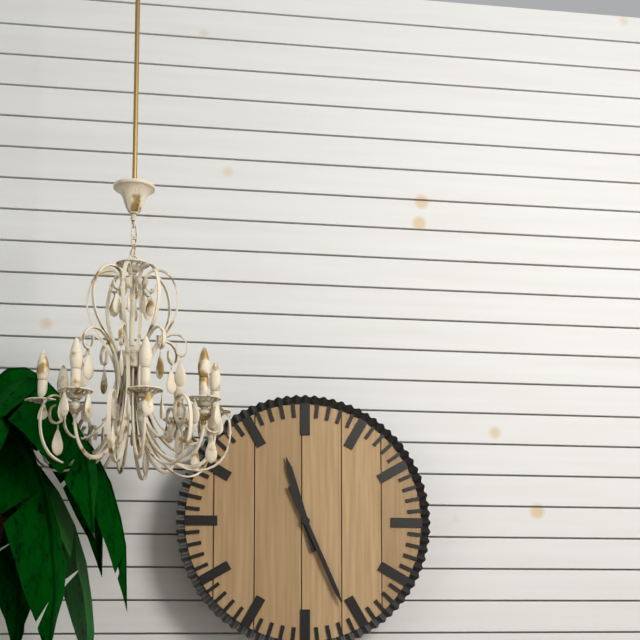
h=11 m=26
